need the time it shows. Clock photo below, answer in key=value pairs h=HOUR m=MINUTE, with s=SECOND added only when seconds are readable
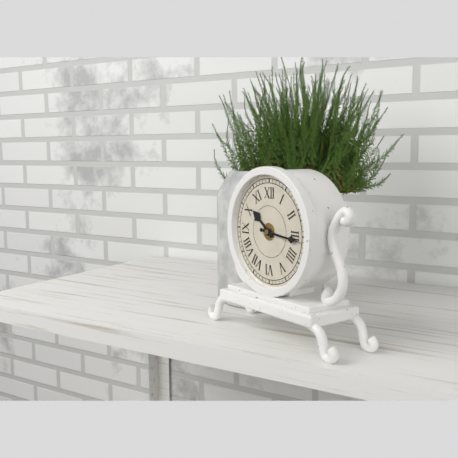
h=10 m=16
